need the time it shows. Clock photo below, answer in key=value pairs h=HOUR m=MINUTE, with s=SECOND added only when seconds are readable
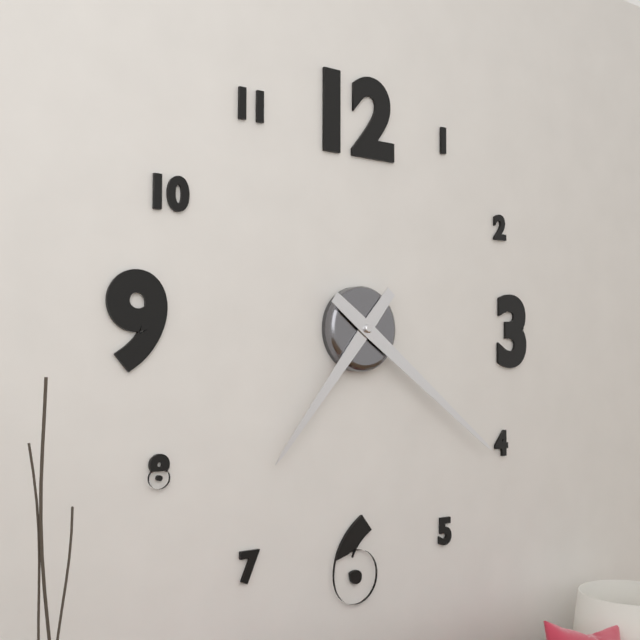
h=7 m=21
